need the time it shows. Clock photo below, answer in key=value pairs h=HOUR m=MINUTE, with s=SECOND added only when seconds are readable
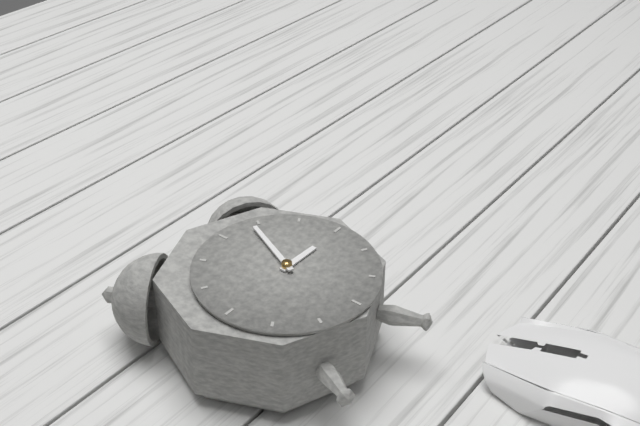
h=3 m=4
